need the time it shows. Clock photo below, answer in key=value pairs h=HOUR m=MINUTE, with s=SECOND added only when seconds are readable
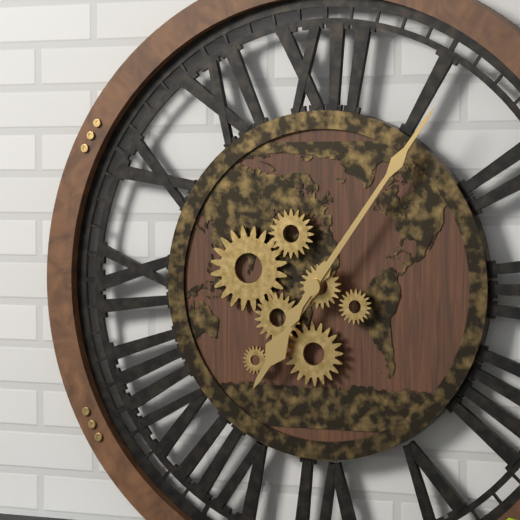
h=7 m=6
